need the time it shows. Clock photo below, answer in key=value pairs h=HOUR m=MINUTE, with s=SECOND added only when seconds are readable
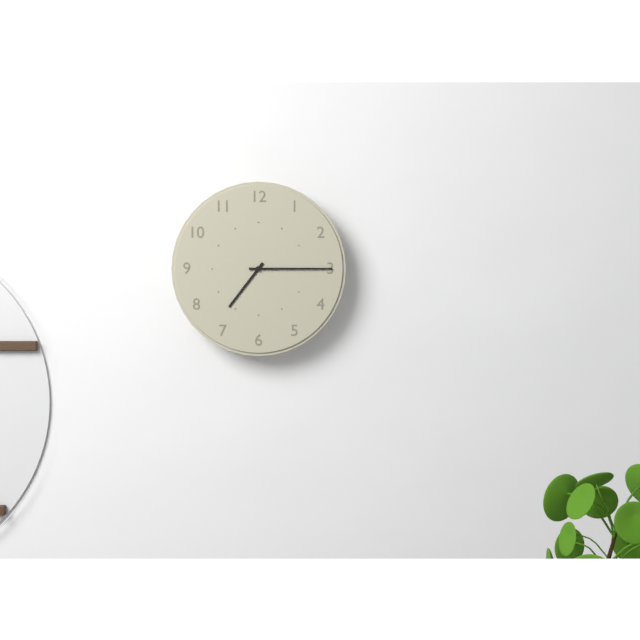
h=7 m=15
